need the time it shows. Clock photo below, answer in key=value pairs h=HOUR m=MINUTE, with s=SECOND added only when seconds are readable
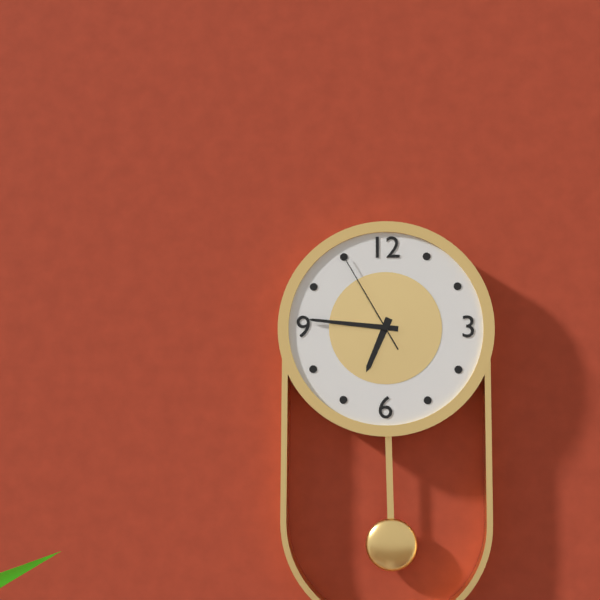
h=6 m=46 s=55
